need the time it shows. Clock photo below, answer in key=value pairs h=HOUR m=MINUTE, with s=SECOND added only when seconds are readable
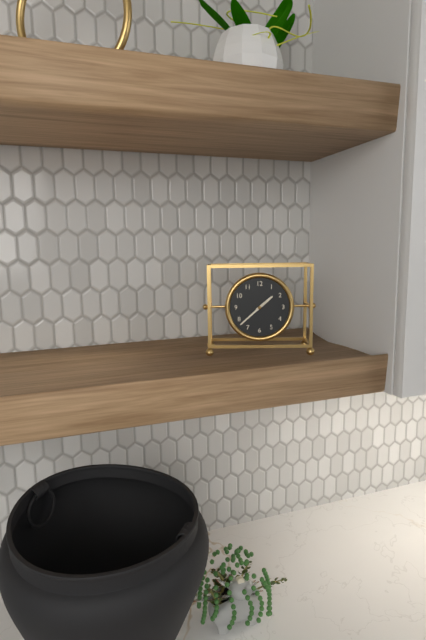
h=1 m=38
